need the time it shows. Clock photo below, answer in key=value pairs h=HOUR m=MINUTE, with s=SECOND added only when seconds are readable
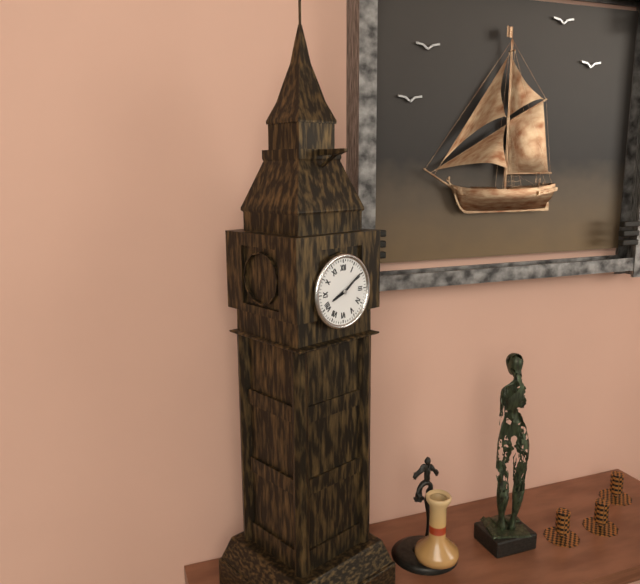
h=8 m=9
